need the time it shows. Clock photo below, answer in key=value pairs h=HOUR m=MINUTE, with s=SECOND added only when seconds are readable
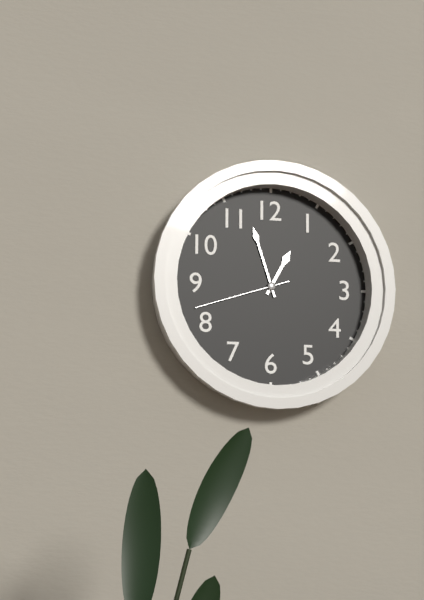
h=12 m=57 s=42
